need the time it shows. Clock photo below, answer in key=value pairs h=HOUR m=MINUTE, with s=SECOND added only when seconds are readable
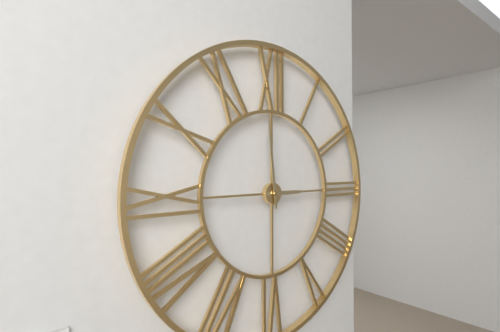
h=2 m=59
